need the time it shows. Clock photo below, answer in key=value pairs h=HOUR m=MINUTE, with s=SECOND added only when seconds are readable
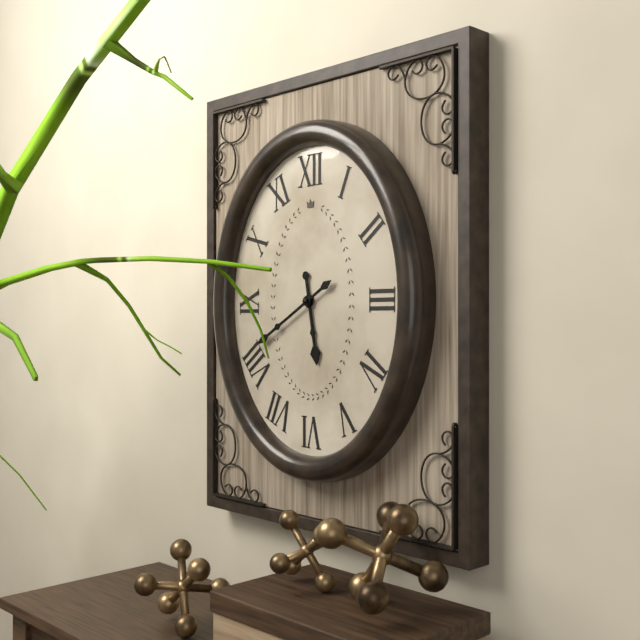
h=5 m=40
